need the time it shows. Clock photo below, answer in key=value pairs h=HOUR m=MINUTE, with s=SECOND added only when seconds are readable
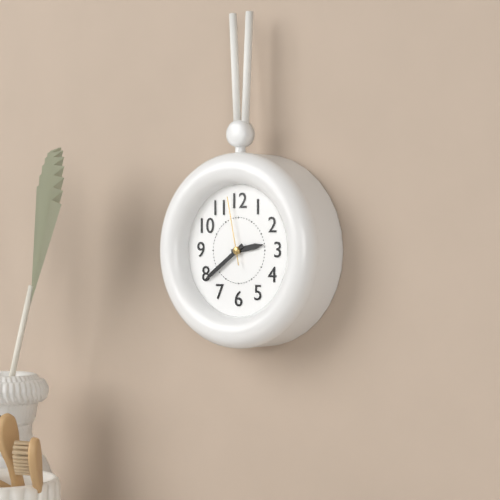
h=2 m=39 s=58
